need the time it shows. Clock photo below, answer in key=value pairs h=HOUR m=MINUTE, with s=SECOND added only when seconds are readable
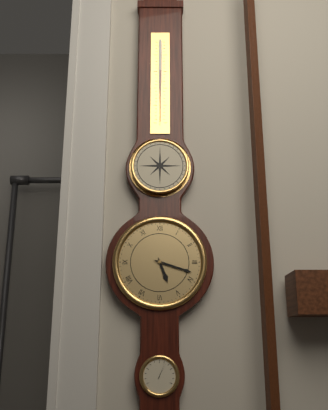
h=5 m=18
